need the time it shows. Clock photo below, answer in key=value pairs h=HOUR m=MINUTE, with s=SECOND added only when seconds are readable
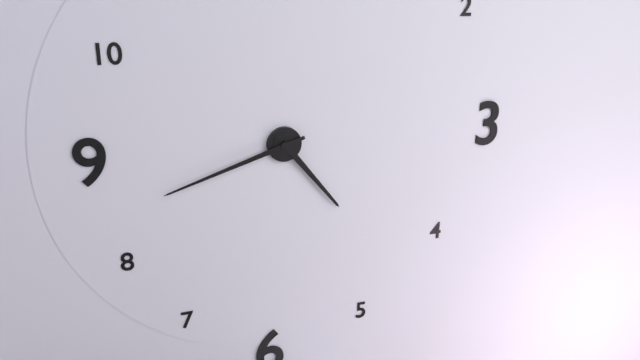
h=4 m=42
